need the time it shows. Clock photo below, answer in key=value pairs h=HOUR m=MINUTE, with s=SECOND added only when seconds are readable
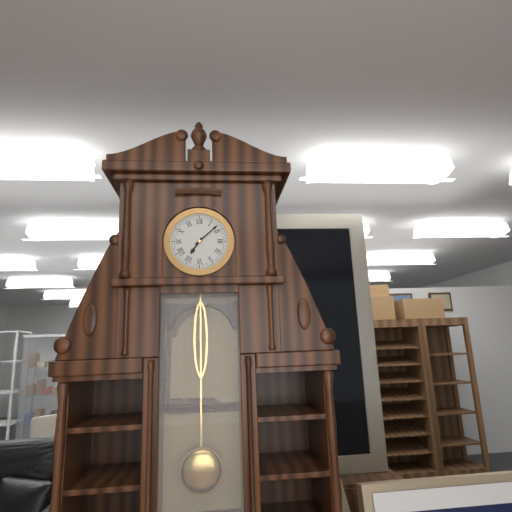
h=7 m=8
